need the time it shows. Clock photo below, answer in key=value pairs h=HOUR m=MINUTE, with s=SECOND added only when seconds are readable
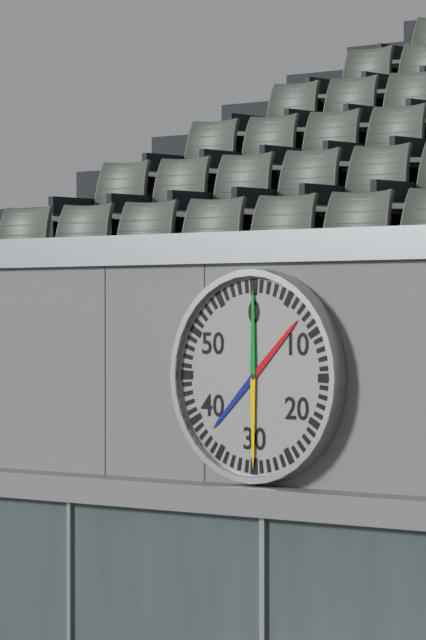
h=1 m=30
